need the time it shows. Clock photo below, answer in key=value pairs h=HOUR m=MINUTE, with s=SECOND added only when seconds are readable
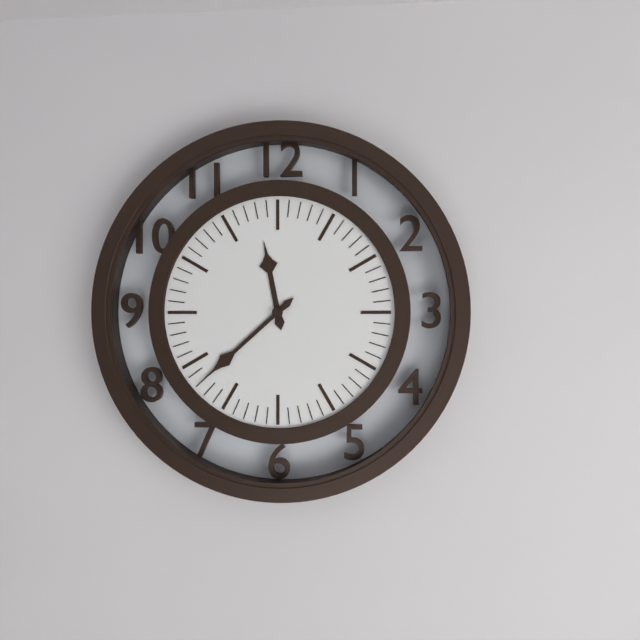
h=11 m=38
